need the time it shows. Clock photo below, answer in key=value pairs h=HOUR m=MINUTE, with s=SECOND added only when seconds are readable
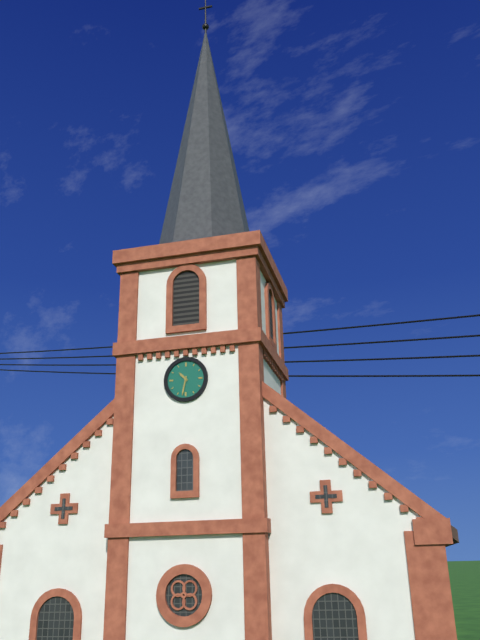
h=10 m=32
